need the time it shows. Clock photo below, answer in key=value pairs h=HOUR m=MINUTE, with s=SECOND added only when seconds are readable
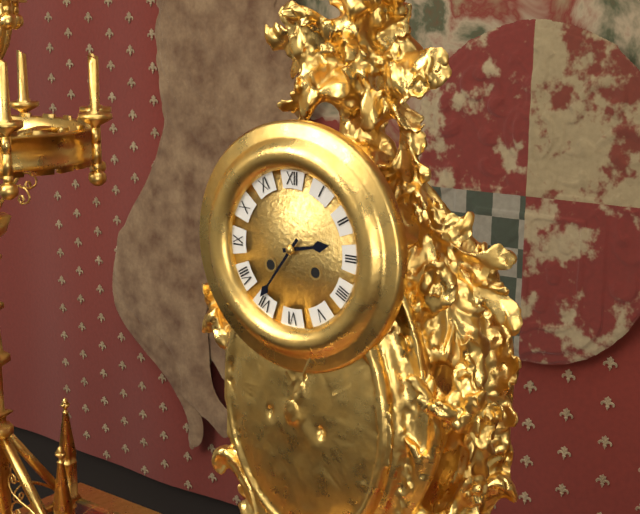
h=2 m=36
